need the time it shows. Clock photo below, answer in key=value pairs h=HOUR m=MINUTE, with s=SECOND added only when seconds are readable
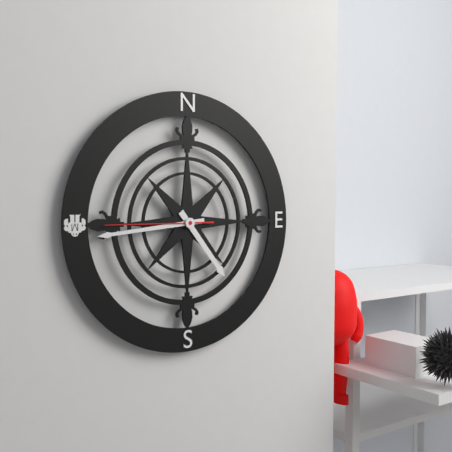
h=4 m=44 s=45
